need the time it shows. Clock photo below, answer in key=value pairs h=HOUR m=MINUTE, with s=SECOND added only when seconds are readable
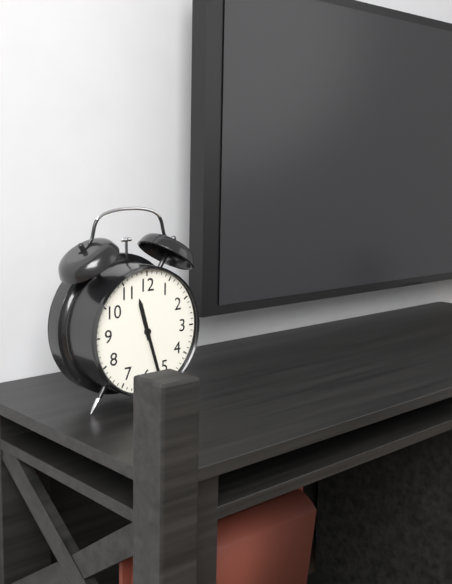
h=11 m=27
